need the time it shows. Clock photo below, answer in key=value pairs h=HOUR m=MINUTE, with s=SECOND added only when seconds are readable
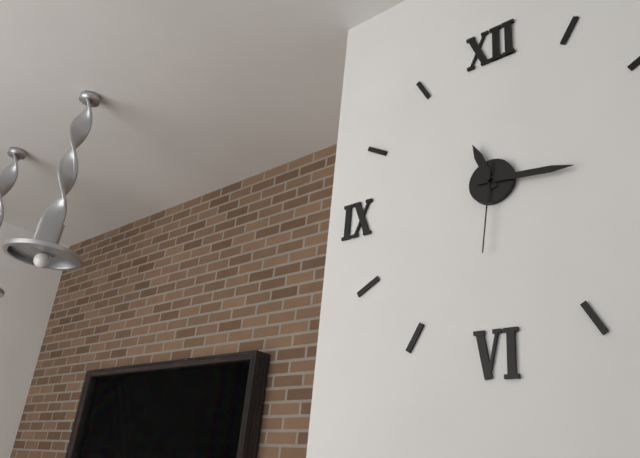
h=11 m=16 s=31
